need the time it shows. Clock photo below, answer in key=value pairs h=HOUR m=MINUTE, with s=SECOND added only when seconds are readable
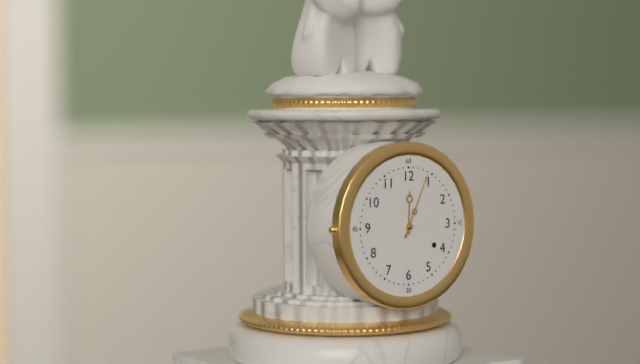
h=12 m=4
